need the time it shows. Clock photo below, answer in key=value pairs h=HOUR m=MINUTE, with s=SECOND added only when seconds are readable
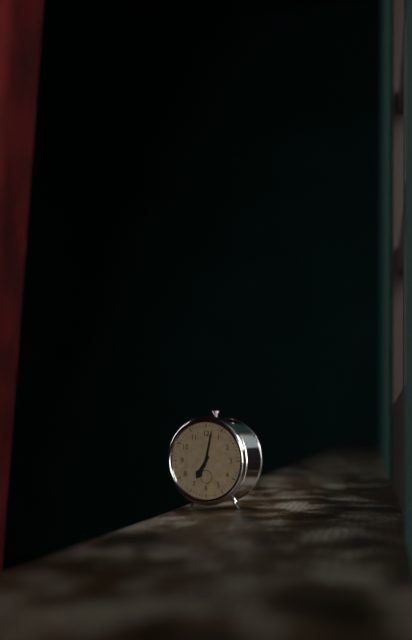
h=7 m=2
